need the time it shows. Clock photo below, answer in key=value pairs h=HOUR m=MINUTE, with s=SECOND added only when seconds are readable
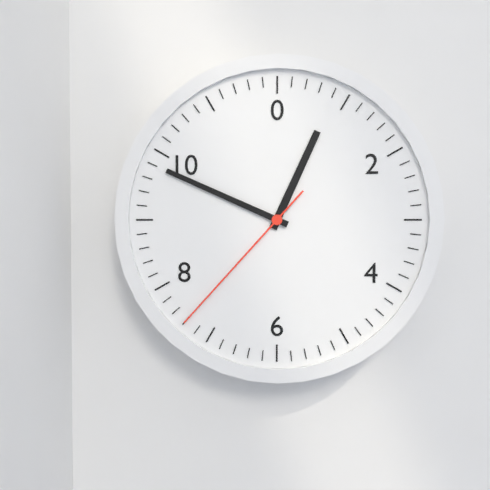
h=12 m=49 s=37
